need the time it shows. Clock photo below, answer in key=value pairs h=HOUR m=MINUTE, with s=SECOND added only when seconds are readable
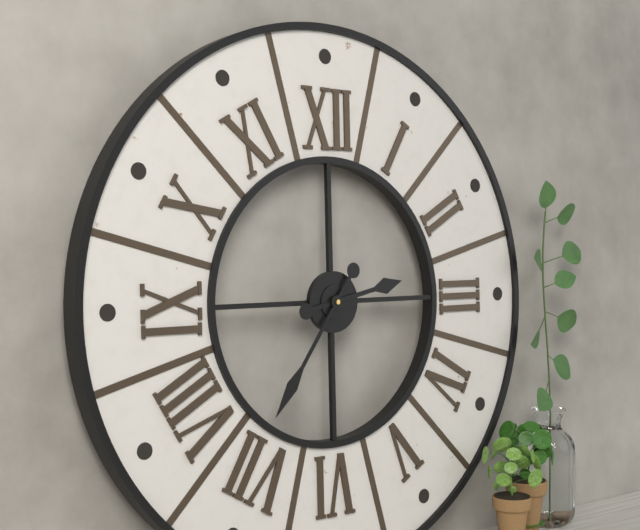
h=2 m=36
